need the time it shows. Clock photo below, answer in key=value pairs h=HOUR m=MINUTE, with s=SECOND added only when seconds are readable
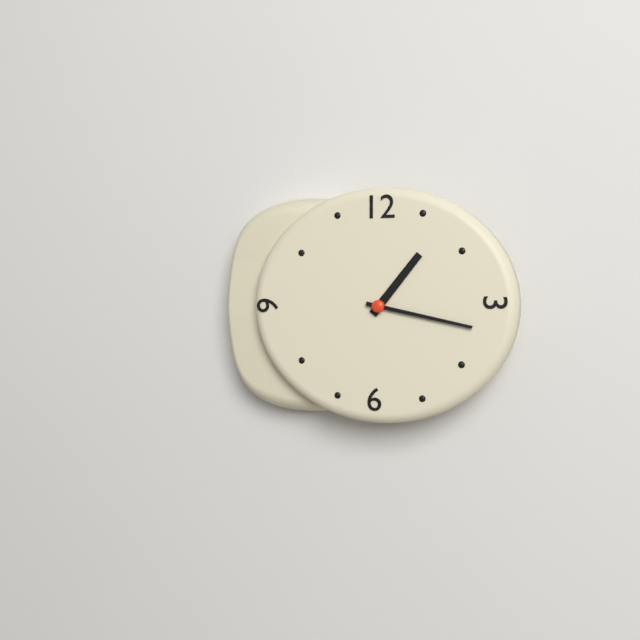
h=1 m=17
